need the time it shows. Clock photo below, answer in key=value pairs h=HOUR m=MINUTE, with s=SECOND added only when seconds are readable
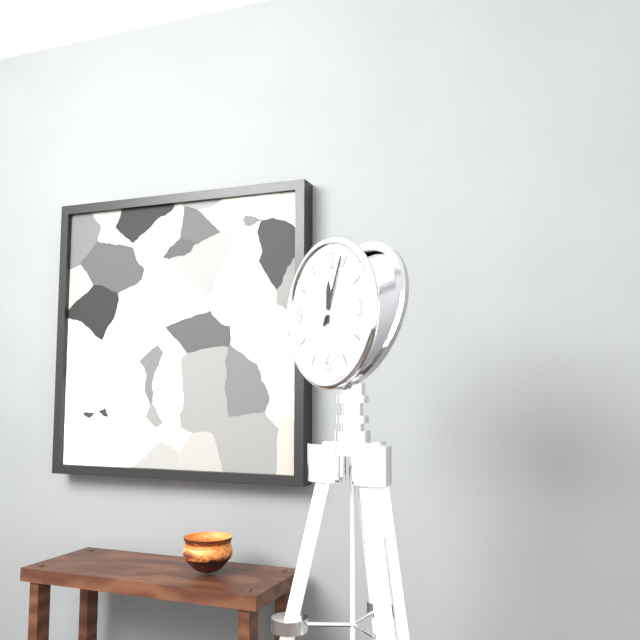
h=12 m=4
